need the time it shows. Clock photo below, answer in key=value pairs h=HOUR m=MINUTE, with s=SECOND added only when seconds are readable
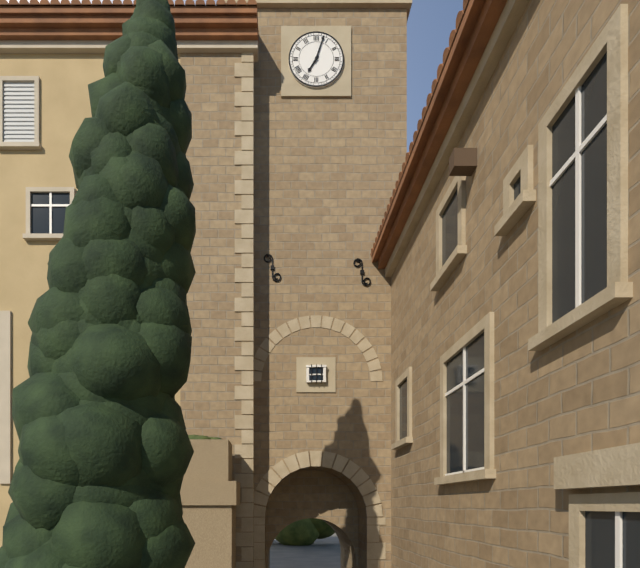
h=7 m=3
